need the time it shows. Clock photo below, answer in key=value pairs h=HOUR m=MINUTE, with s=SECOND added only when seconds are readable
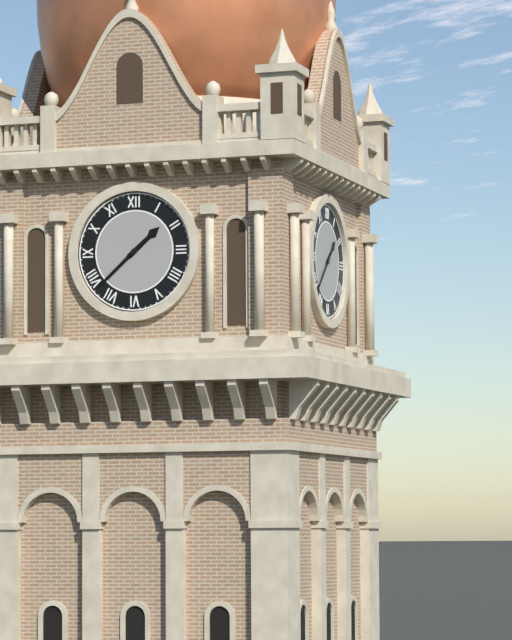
h=1 m=38
